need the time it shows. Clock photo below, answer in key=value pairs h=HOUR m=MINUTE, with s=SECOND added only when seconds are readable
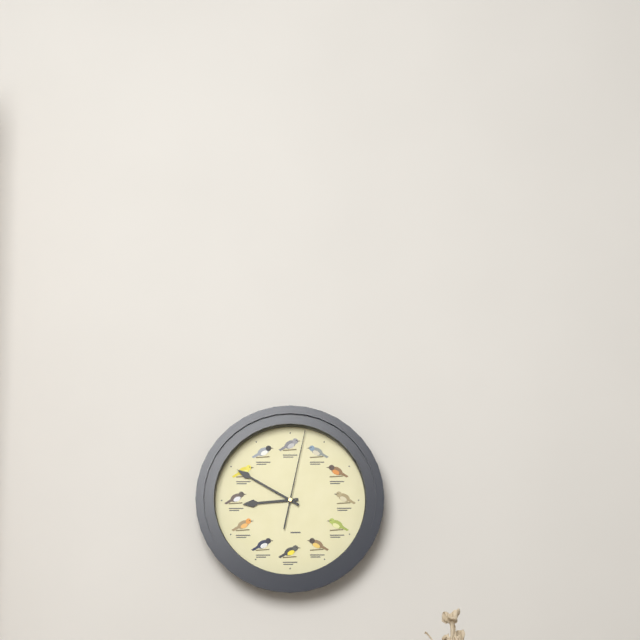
h=8 m=50 s=2
